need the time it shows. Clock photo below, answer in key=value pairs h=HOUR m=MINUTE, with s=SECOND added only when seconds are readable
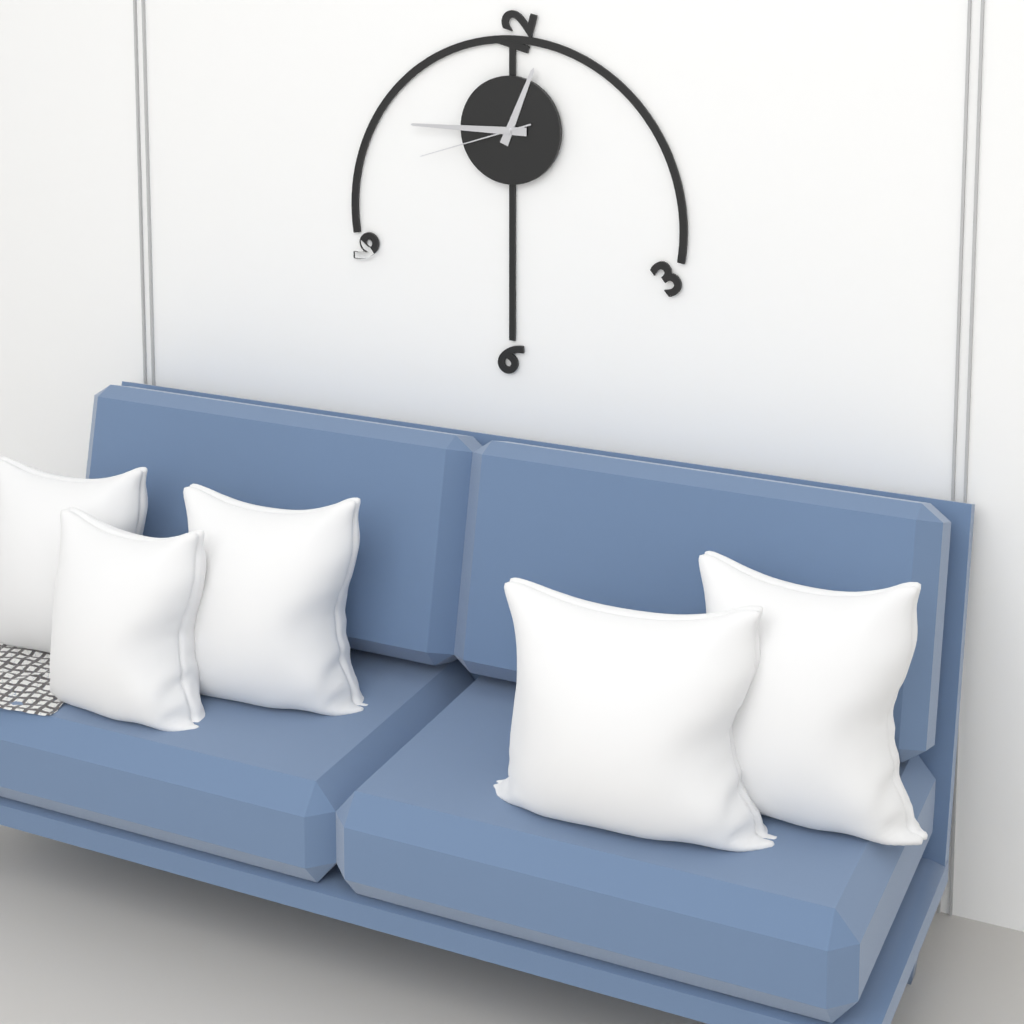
h=12 m=45 s=42
